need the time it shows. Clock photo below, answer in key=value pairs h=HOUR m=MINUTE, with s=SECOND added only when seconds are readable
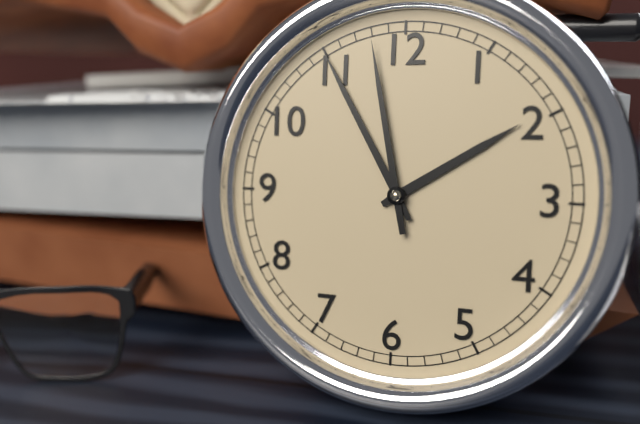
h=1 m=55 s=58
